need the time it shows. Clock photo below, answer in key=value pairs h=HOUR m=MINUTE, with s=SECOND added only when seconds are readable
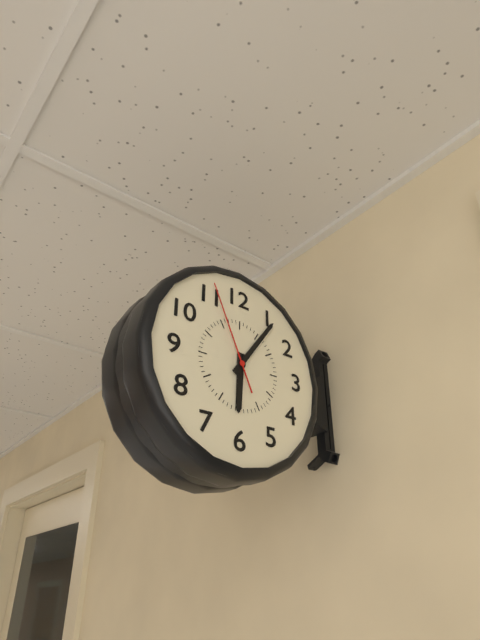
h=6 m=6 s=56
